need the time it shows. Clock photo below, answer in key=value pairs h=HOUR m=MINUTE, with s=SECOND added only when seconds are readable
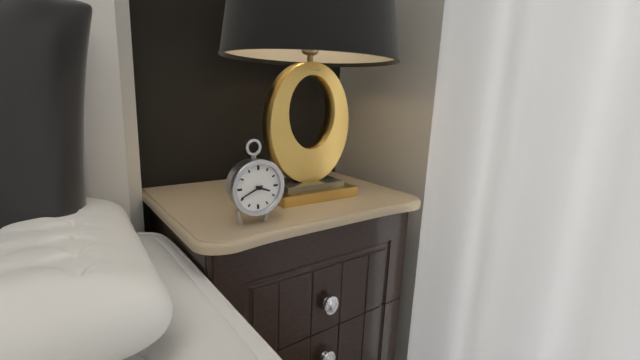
h=3 m=41
